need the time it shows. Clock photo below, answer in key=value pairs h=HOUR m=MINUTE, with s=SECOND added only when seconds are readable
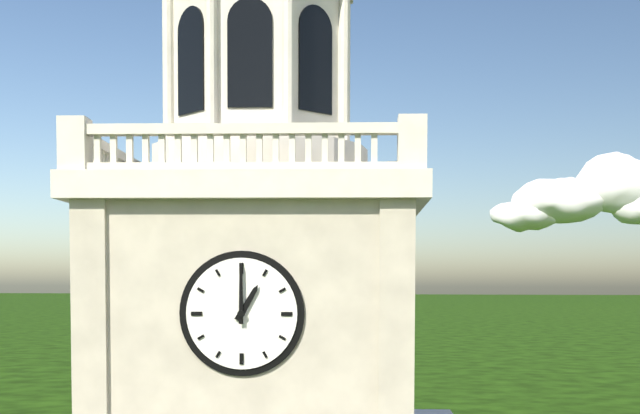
h=1 m=0
